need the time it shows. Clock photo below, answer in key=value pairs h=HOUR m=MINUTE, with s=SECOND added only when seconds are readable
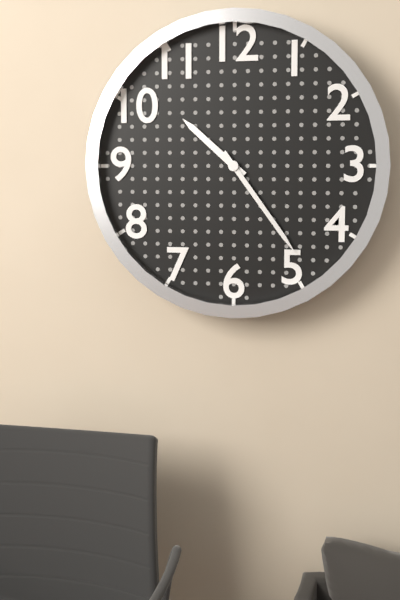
h=10 m=24
